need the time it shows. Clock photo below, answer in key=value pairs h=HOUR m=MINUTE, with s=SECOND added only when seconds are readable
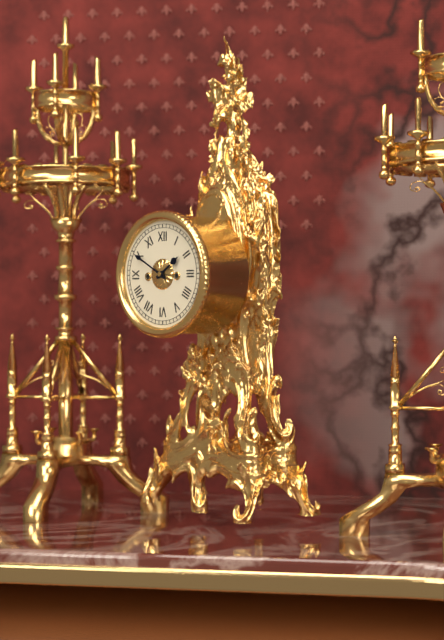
h=1 m=50
